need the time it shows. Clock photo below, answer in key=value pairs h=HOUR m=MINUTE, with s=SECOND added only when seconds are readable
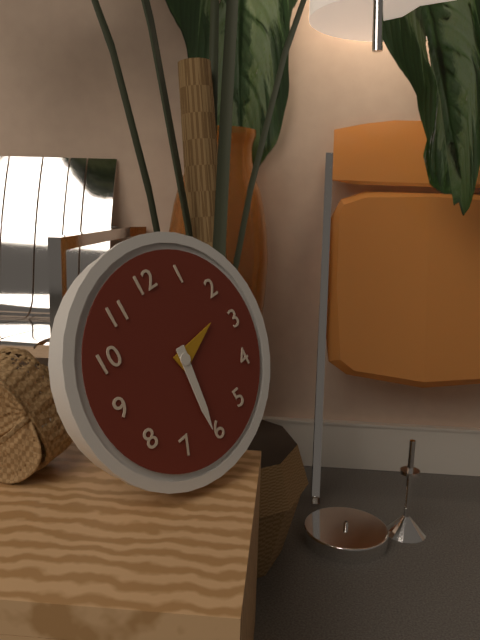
h=2 m=31
